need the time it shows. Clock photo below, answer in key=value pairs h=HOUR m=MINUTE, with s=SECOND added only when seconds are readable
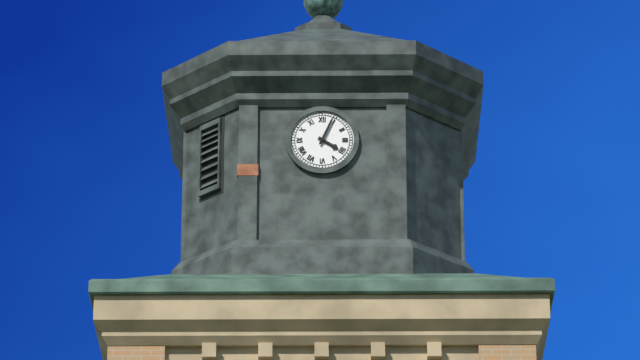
h=4 m=4
